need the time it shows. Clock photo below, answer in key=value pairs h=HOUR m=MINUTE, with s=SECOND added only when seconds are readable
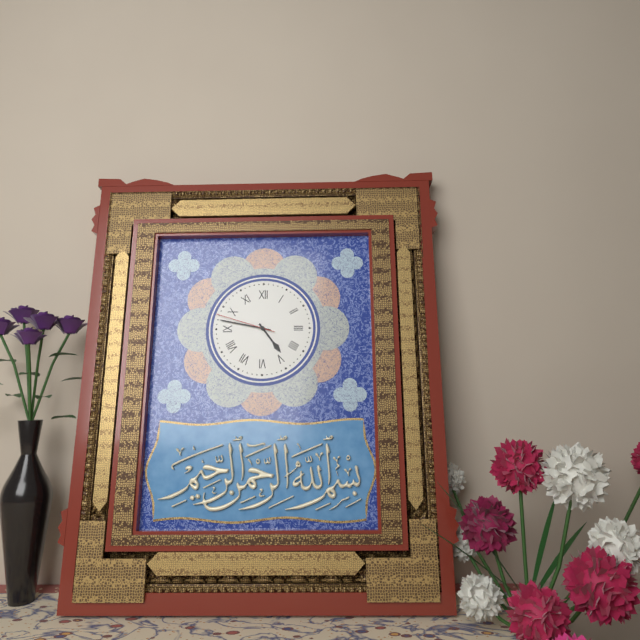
h=4 m=47 s=48
